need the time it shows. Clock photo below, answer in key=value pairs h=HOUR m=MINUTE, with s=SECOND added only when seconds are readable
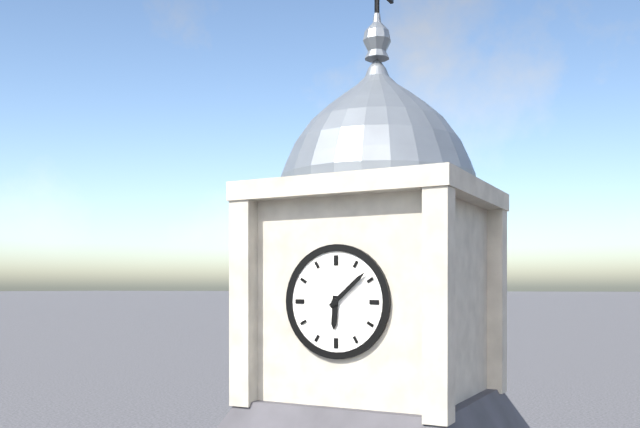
h=6 m=8
